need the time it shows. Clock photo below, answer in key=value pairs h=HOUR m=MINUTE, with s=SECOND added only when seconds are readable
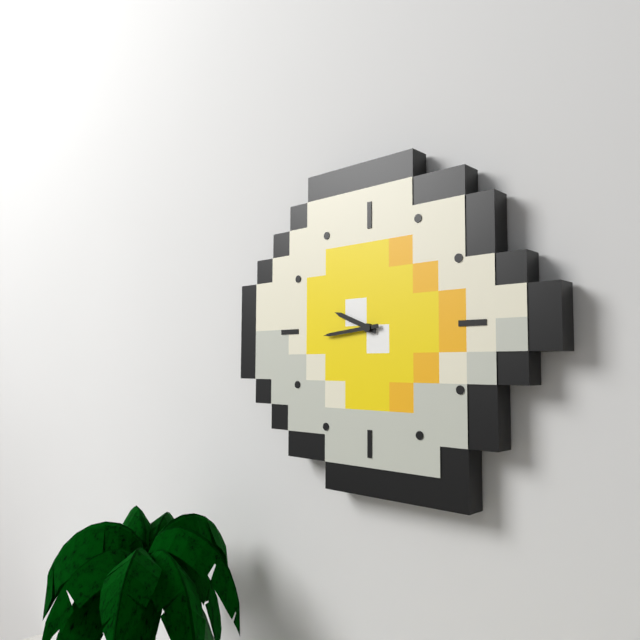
h=9 m=44
